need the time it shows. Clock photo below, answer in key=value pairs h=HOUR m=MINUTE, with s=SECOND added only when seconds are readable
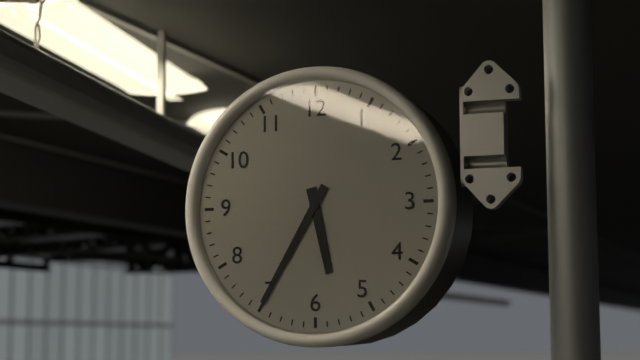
h=5 m=35
